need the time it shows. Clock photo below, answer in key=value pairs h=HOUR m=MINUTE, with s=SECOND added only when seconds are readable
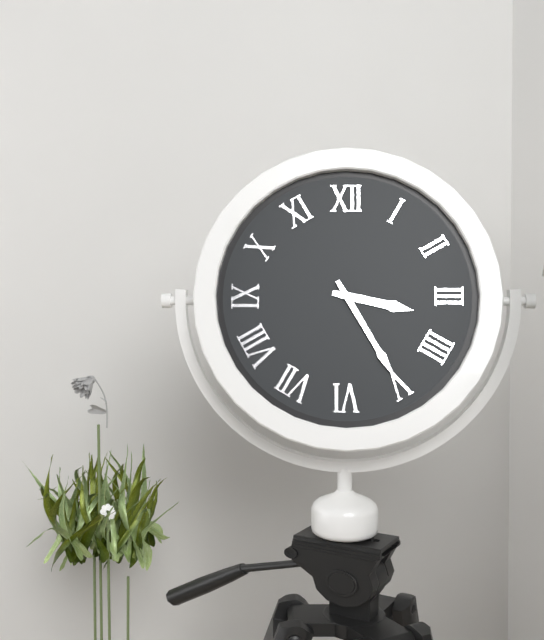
h=3 m=25
